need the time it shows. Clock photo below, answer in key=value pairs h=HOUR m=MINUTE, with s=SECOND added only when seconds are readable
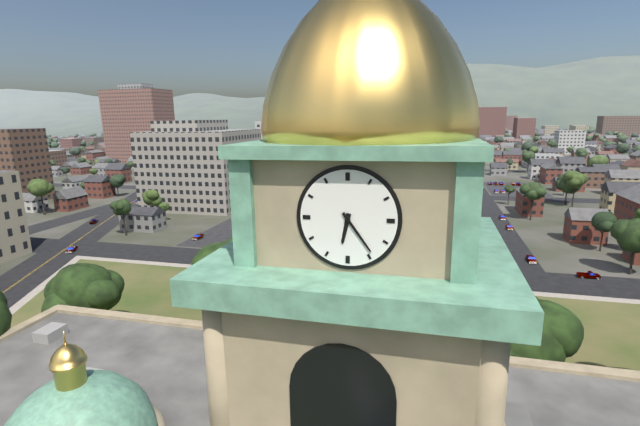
h=6 m=24
